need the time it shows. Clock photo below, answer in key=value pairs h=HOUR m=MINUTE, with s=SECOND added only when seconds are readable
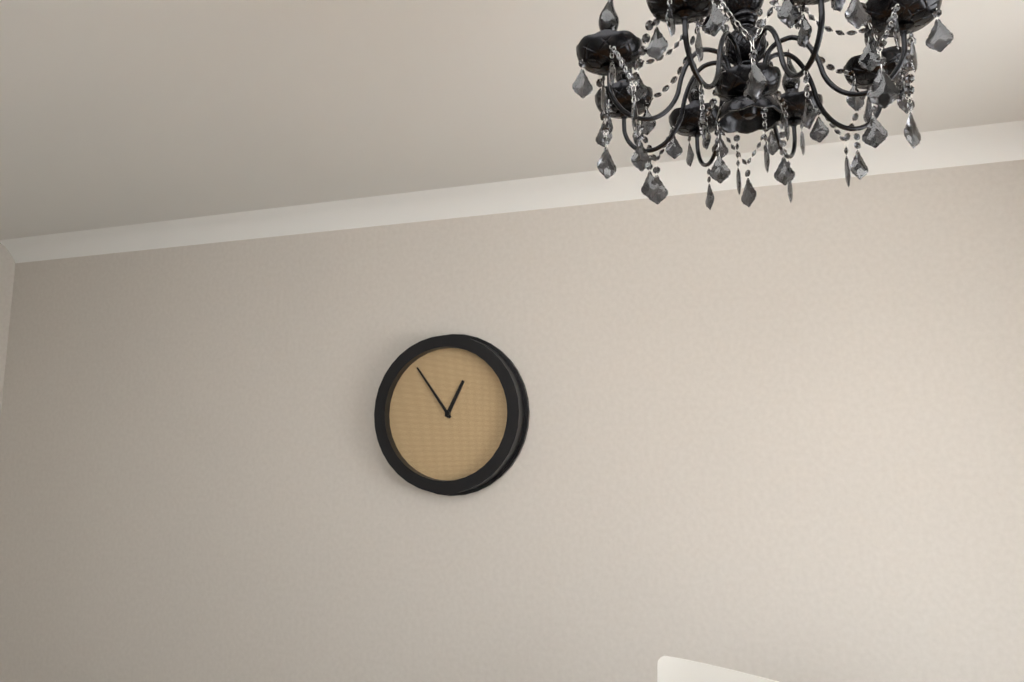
h=12 m=54
